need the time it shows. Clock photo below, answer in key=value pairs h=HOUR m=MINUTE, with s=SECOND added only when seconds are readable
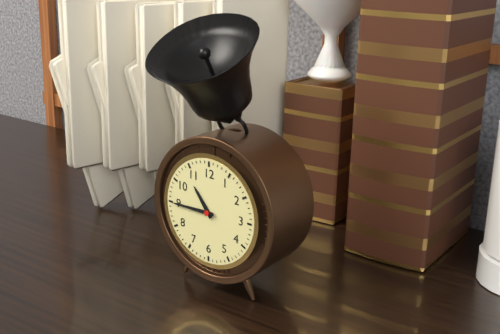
h=10 m=45
